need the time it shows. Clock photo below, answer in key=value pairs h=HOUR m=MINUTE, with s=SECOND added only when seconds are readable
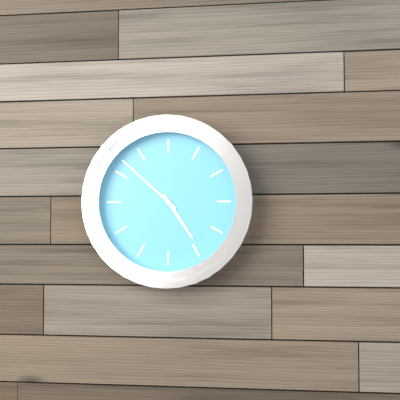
h=4 m=52
